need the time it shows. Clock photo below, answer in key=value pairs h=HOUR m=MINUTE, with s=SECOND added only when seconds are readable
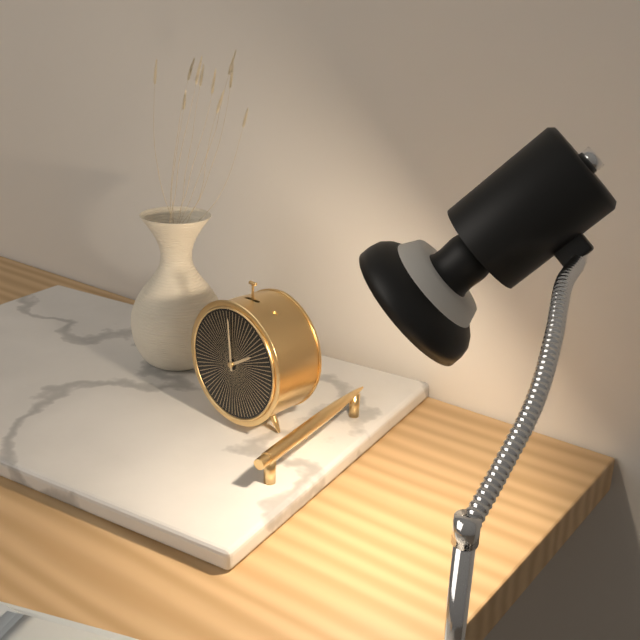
h=1 m=59
